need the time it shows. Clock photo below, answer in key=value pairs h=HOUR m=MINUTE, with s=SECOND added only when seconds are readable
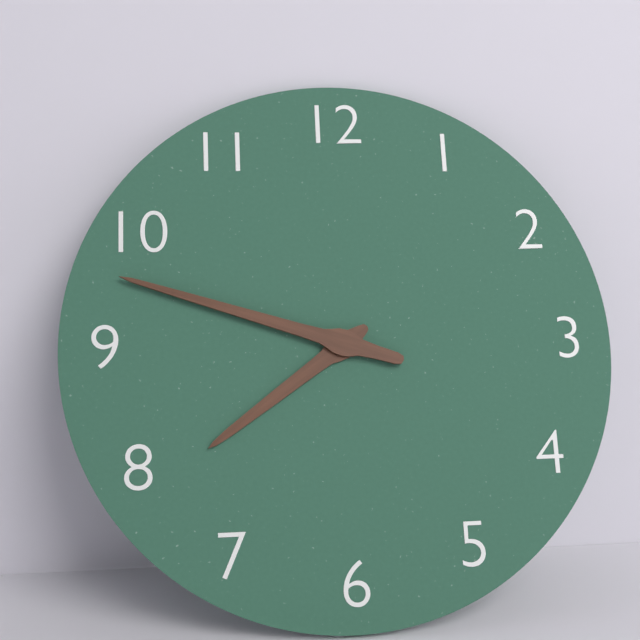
h=7 m=48
